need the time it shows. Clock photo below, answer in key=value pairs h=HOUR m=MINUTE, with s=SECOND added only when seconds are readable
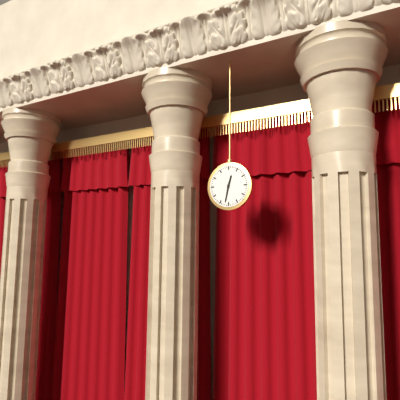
h=12 m=32
